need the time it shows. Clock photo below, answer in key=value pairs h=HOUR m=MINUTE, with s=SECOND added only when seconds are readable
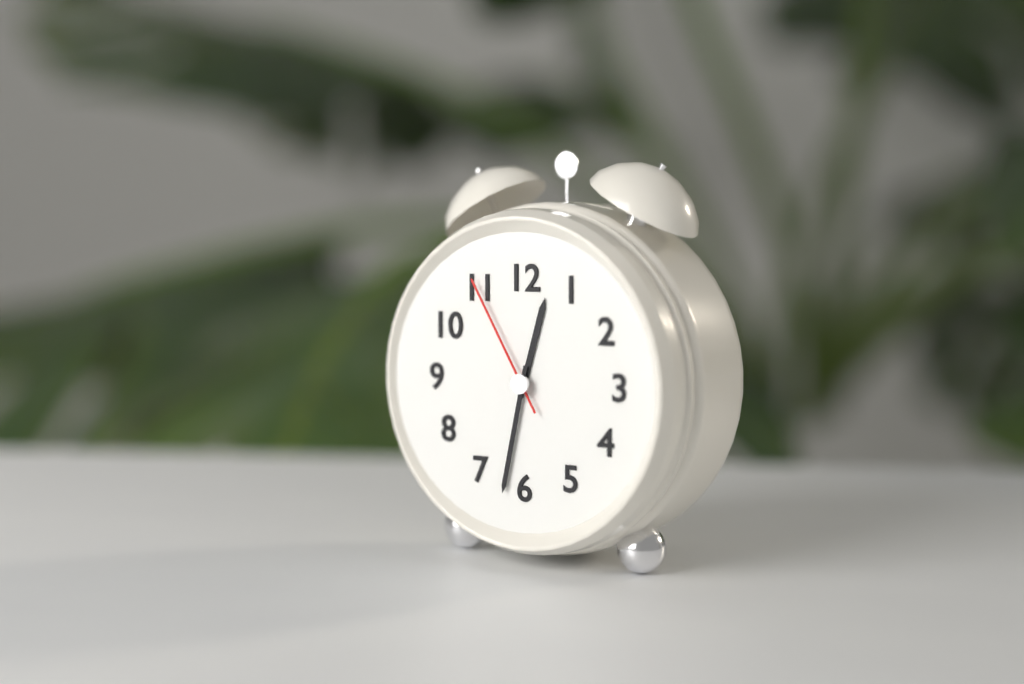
h=12 m=32 s=55
